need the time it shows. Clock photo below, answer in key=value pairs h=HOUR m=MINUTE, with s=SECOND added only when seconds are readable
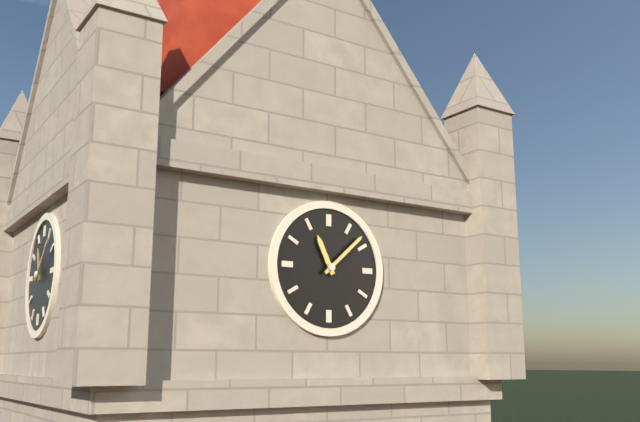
h=11 m=8
